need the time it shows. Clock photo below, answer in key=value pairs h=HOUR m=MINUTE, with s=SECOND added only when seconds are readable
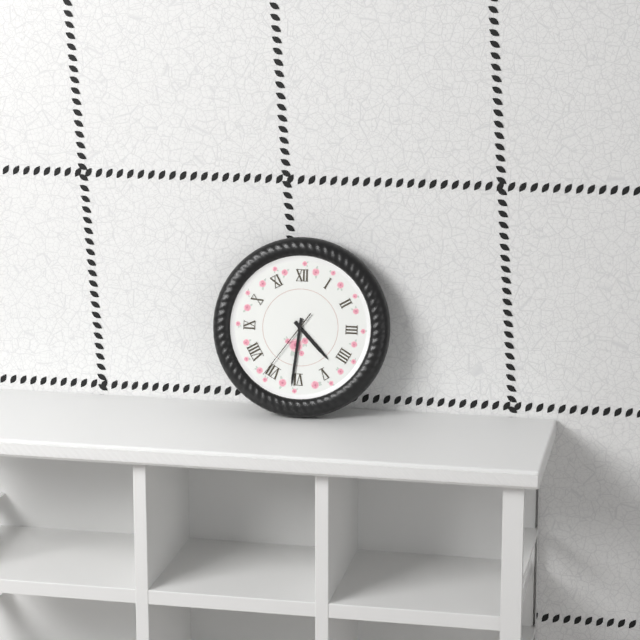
h=4 m=31 s=36
